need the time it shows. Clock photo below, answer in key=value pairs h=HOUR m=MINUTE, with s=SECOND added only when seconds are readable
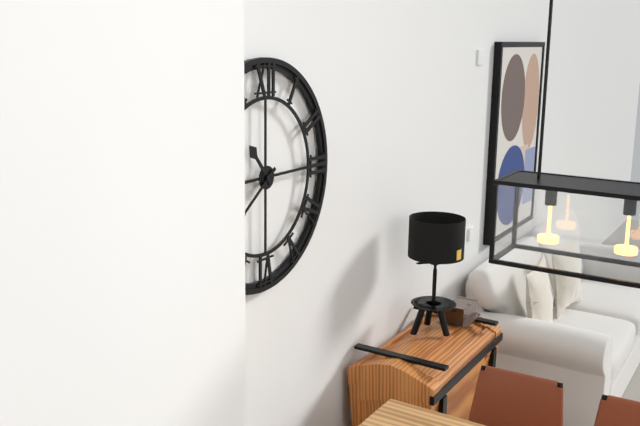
h=10 m=39
